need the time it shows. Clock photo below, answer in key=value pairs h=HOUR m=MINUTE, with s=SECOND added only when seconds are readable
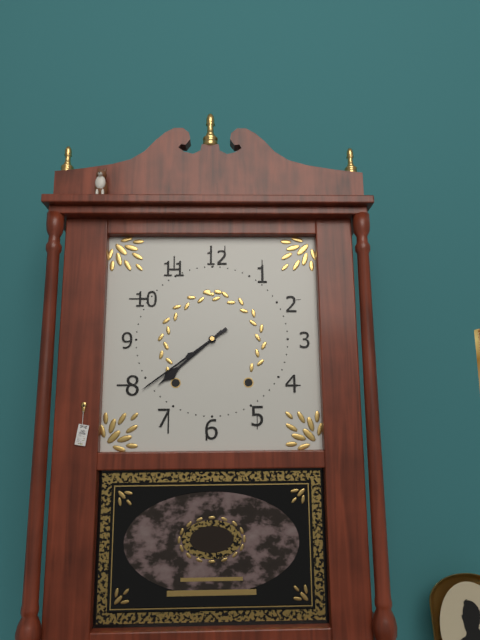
h=7 m=39
